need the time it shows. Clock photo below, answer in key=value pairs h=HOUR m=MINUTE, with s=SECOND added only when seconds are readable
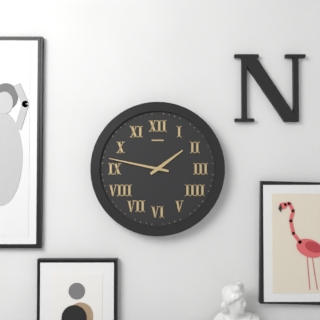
h=1 m=47
